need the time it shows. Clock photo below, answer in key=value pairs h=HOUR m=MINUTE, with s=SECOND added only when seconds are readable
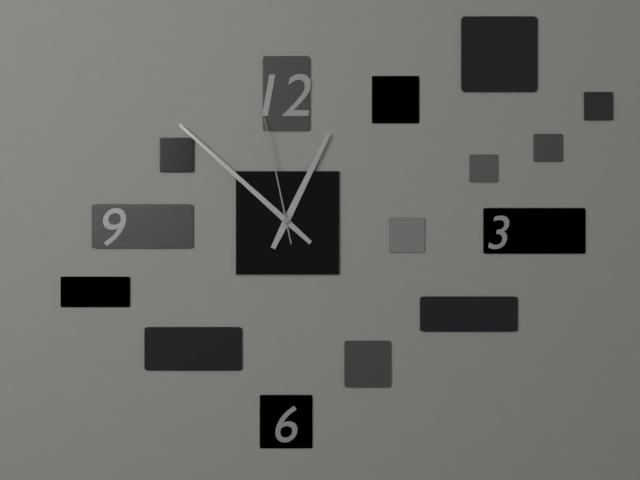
h=12 m=52 s=58
